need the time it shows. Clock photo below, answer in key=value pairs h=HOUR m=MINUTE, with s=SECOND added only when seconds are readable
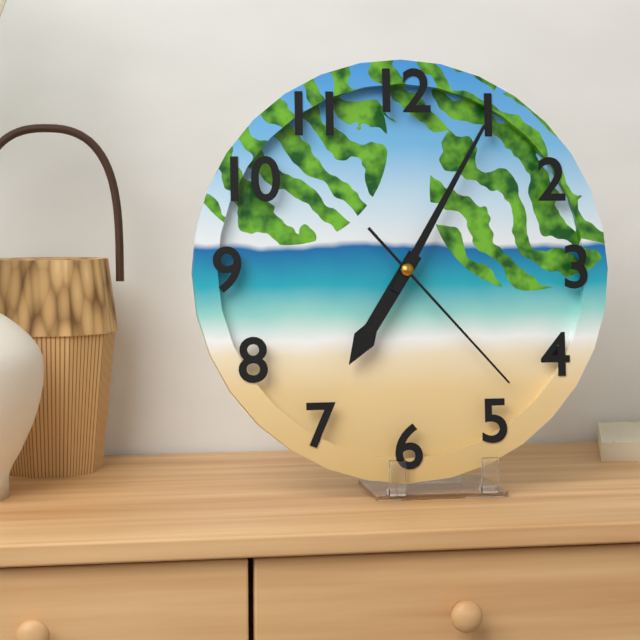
h=7 m=5 s=23
